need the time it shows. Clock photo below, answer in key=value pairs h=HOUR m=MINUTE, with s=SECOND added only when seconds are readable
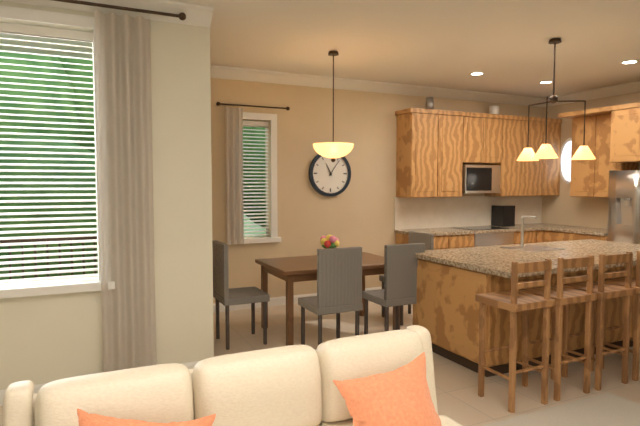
h=11 m=6
